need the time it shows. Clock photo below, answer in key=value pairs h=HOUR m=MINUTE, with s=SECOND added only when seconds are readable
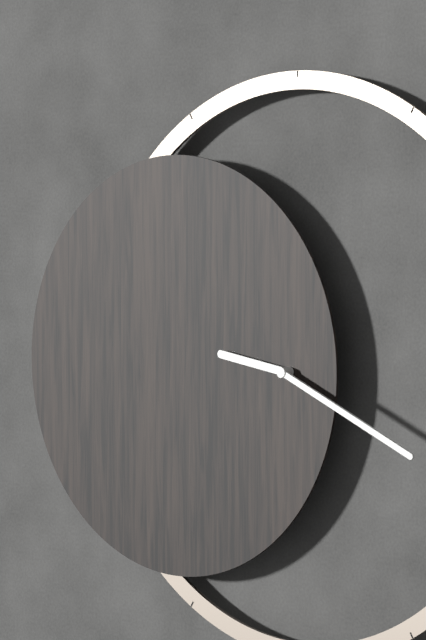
h=9 m=19
